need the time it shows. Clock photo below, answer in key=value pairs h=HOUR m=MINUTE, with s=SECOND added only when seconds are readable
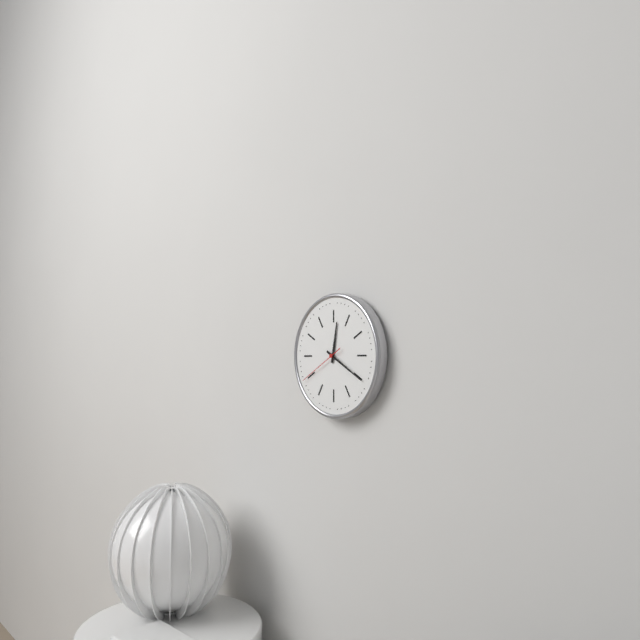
h=12 m=20
